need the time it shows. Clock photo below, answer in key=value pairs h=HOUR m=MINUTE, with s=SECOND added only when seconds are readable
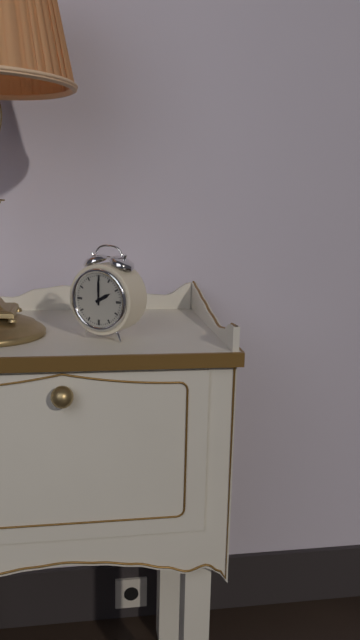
h=2 m=0
